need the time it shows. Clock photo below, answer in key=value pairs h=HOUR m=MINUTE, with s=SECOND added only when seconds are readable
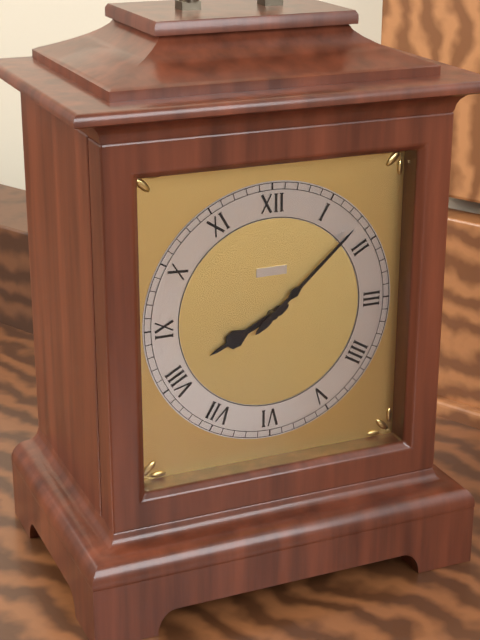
h=8 m=8
